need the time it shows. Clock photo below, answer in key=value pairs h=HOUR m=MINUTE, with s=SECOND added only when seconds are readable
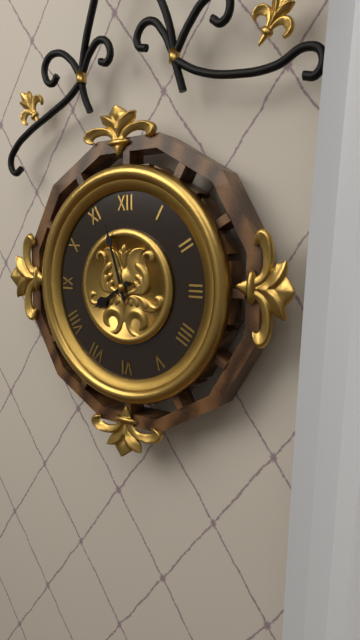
h=7 m=57
